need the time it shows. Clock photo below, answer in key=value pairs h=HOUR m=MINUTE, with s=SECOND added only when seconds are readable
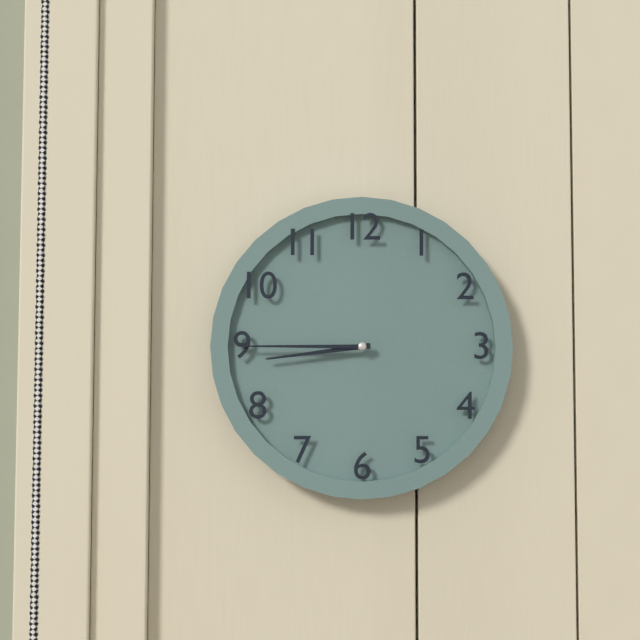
h=8 m=45
